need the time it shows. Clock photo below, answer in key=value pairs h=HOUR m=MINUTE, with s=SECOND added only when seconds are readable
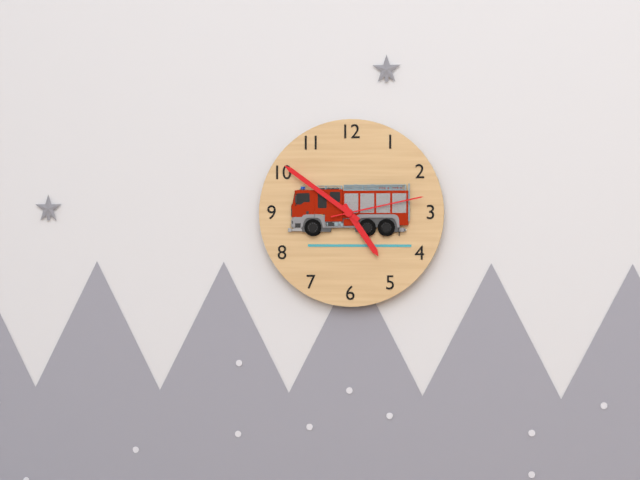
h=4 m=51 s=13
